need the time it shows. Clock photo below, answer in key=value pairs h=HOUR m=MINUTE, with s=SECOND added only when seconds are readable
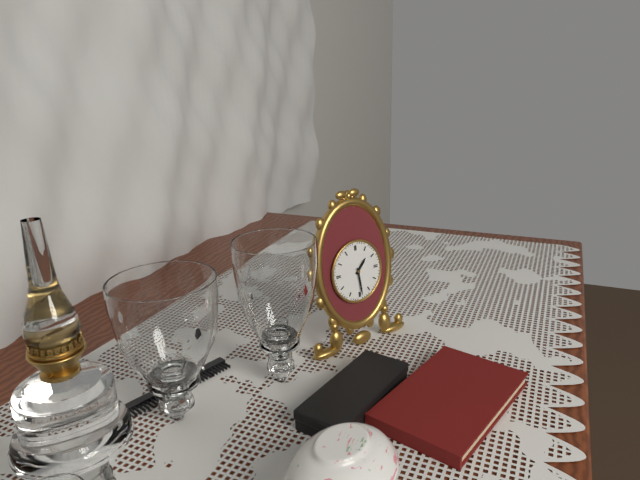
h=1 m=29
